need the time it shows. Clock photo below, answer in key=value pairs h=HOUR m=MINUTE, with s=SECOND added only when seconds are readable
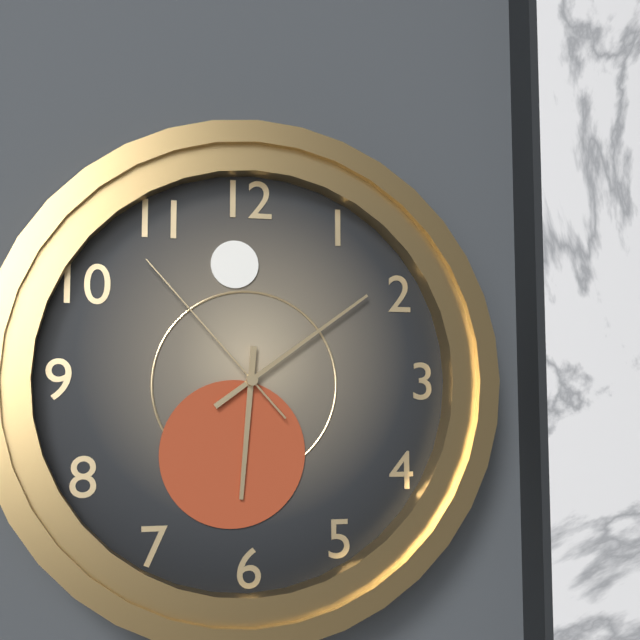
h=6 m=9 s=53
